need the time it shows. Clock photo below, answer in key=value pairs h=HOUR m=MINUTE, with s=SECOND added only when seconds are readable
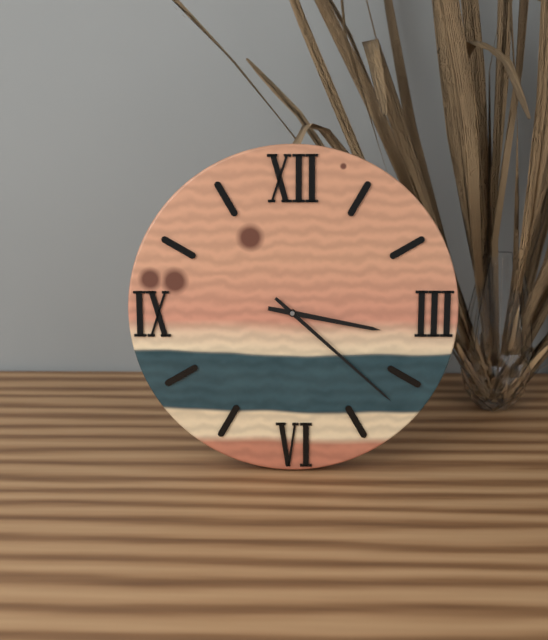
h=3 m=22
